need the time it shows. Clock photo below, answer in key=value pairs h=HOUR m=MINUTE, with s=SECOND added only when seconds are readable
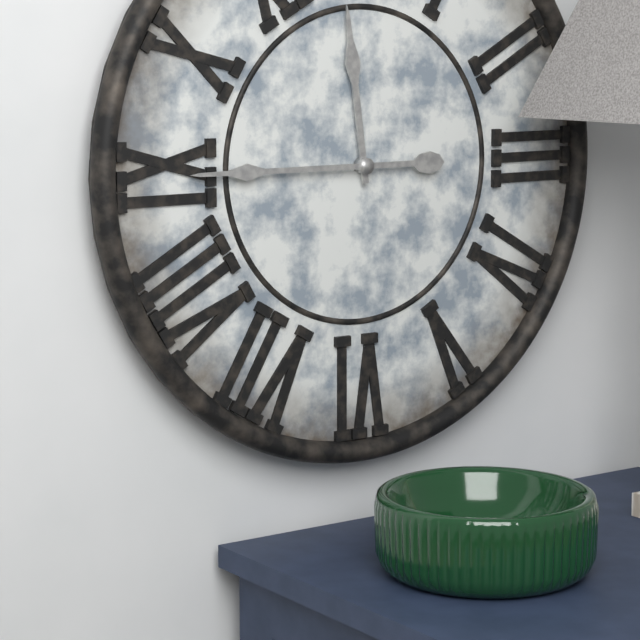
h=11 m=45
